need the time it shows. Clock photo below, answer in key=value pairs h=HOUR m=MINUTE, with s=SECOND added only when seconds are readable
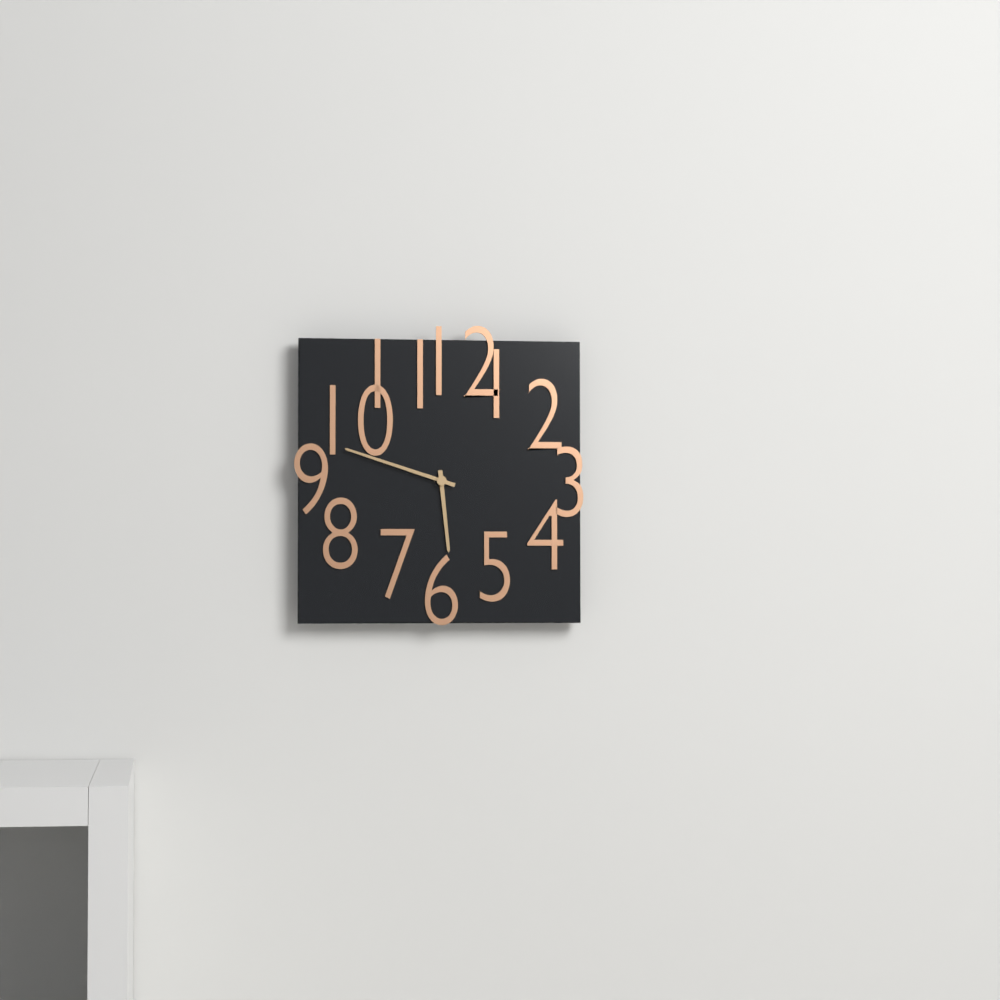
h=5 m=48
